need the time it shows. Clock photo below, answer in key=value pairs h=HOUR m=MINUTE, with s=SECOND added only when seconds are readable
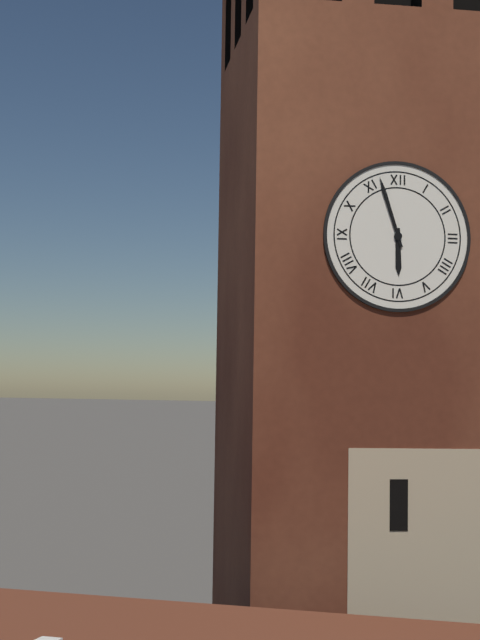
h=5 m=57
